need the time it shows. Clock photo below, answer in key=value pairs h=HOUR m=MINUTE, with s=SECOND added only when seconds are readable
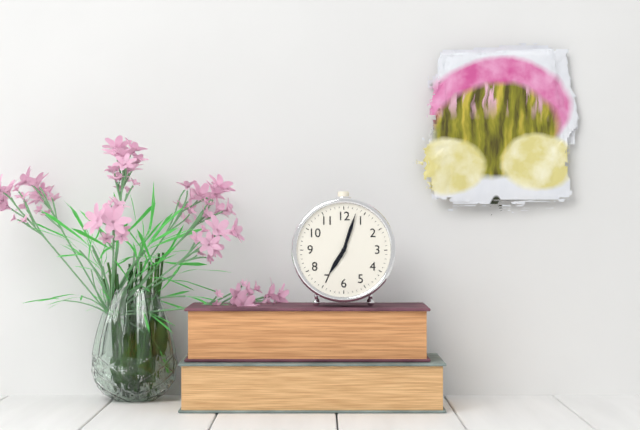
h=7 m=3
